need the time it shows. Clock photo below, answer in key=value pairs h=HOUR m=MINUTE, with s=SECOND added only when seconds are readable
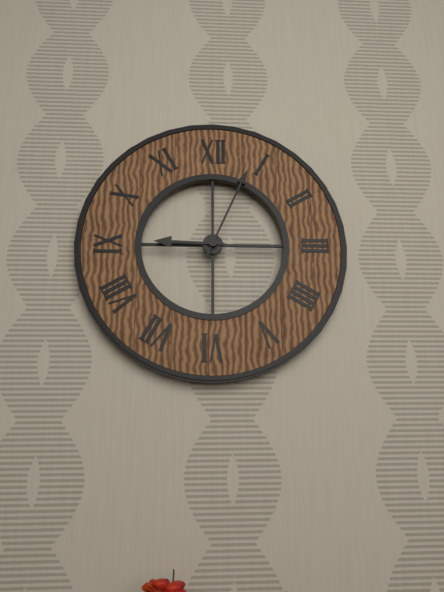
h=9 m=4
